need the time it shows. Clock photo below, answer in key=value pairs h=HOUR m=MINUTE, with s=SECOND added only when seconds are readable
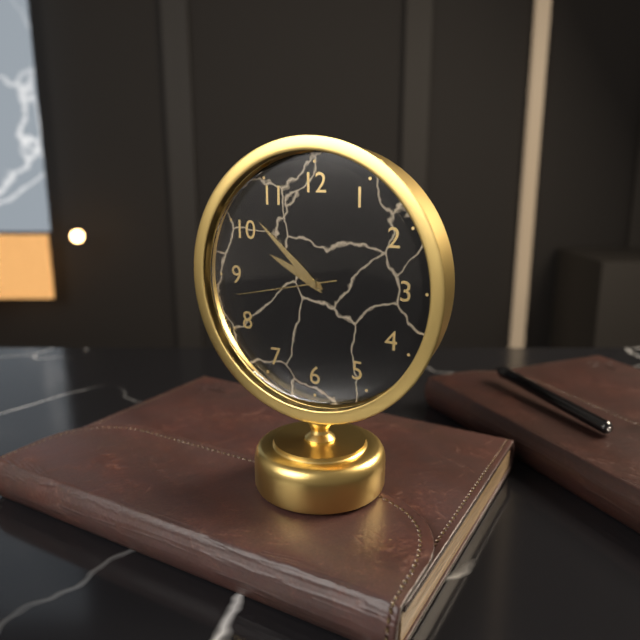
h=9 m=52 s=43
